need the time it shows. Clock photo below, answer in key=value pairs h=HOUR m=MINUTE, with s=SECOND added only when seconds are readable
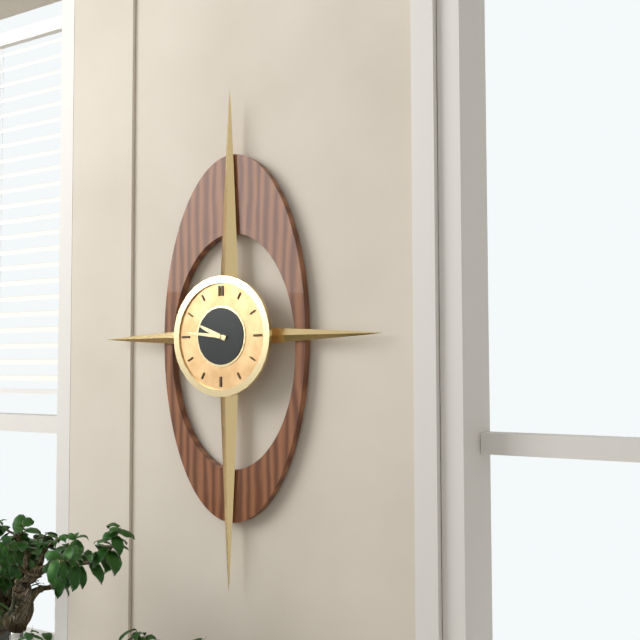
h=9 m=46
